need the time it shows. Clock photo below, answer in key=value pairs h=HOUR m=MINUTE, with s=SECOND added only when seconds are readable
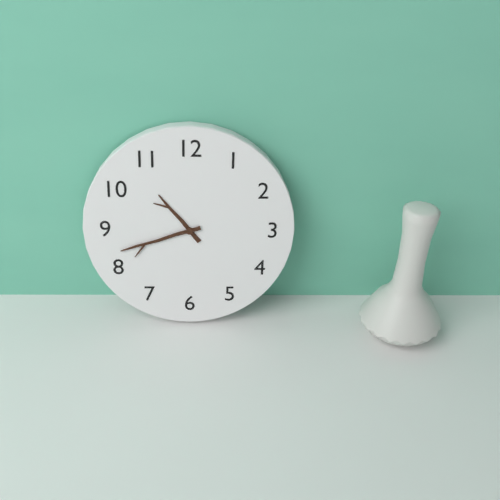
h=10 m=42
